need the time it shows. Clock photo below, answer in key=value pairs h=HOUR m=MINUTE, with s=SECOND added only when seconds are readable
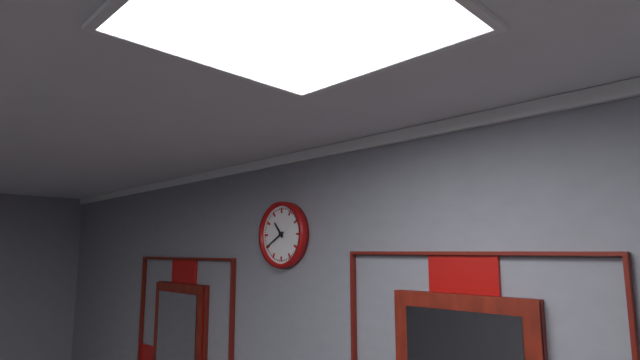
h=10 m=40
